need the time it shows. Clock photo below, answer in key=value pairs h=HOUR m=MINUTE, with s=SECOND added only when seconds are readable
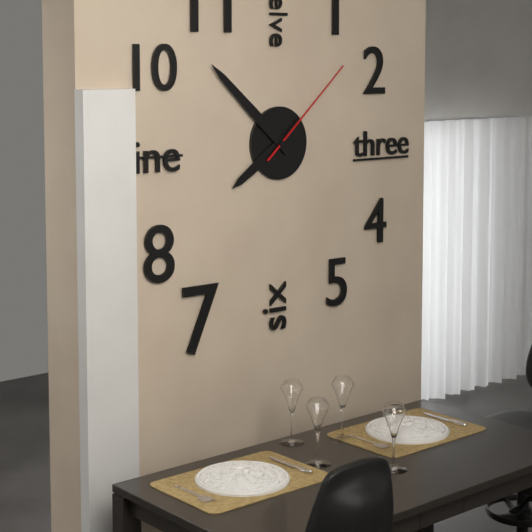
h=7 m=52 s=8
